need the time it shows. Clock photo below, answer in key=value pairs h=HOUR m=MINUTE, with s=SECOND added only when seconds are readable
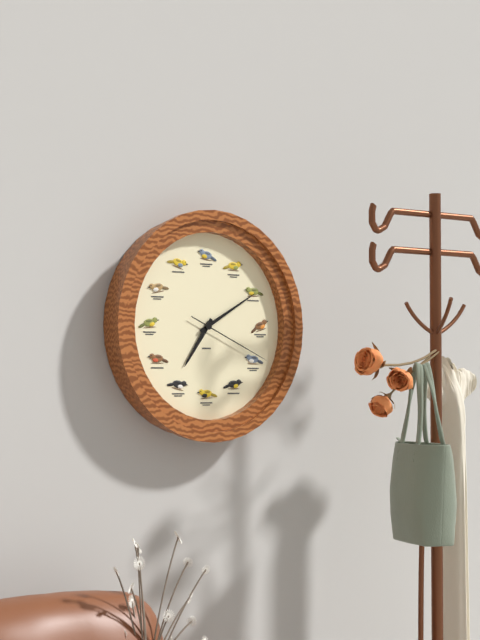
h=7 m=10 s=19
